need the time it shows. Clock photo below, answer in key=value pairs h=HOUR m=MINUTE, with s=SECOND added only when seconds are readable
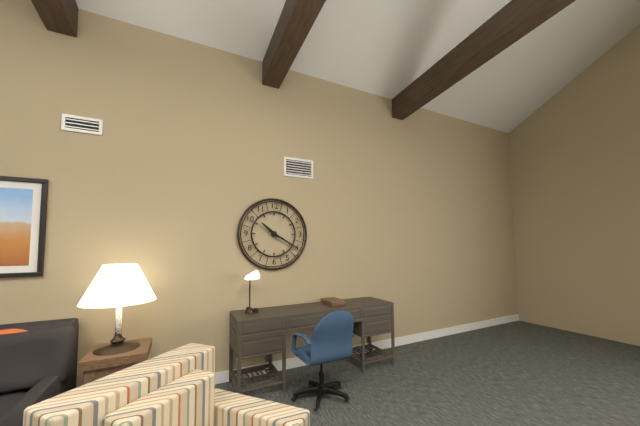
h=10 m=20
